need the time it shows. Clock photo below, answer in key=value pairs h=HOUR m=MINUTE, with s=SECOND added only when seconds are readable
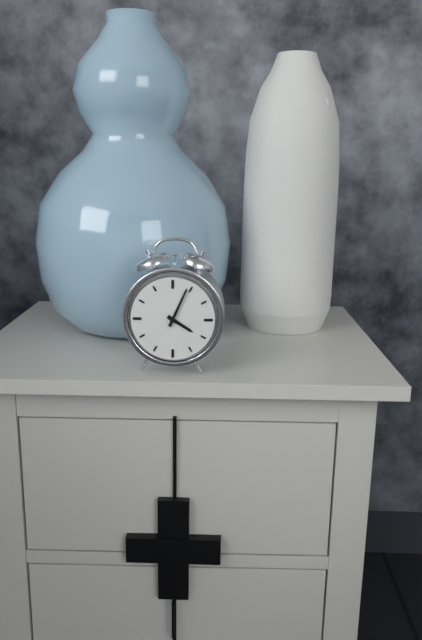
h=4 m=4
